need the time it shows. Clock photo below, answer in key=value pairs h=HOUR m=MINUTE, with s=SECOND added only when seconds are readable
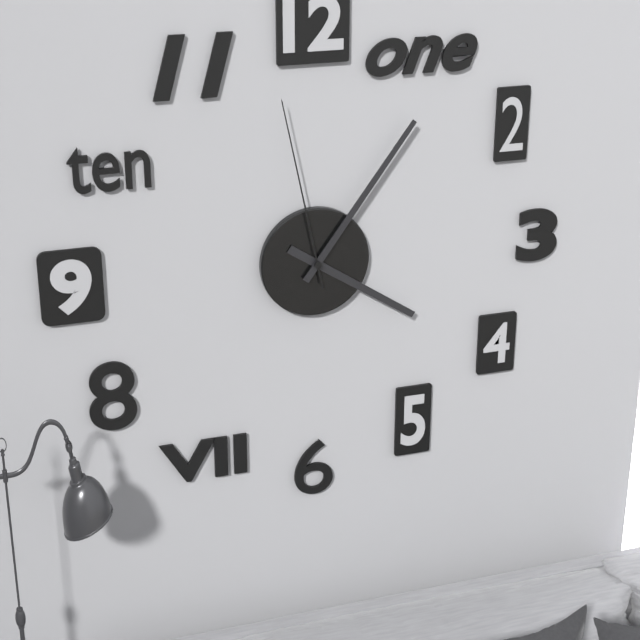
h=4 m=6 s=58
